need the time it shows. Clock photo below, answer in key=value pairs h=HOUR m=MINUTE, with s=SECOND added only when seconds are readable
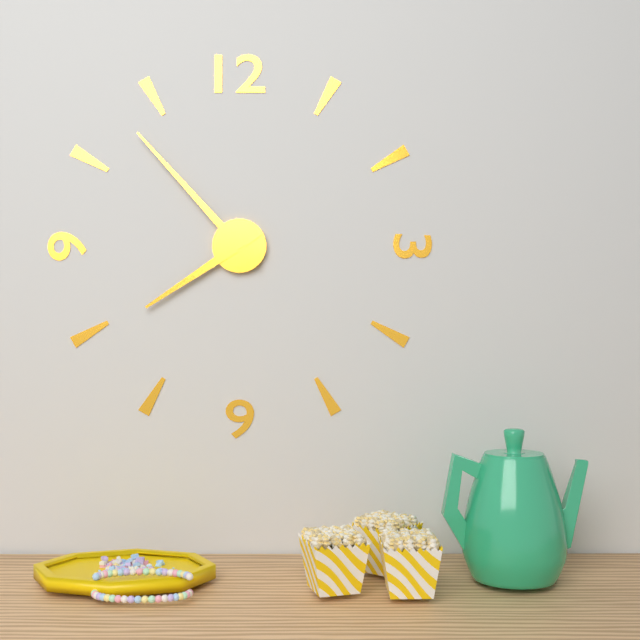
h=7 m=53
